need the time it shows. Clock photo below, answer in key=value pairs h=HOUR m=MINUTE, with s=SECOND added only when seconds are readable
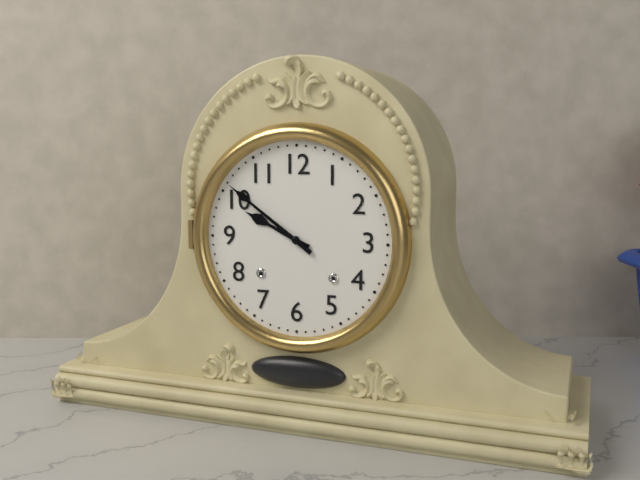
h=9 m=51
